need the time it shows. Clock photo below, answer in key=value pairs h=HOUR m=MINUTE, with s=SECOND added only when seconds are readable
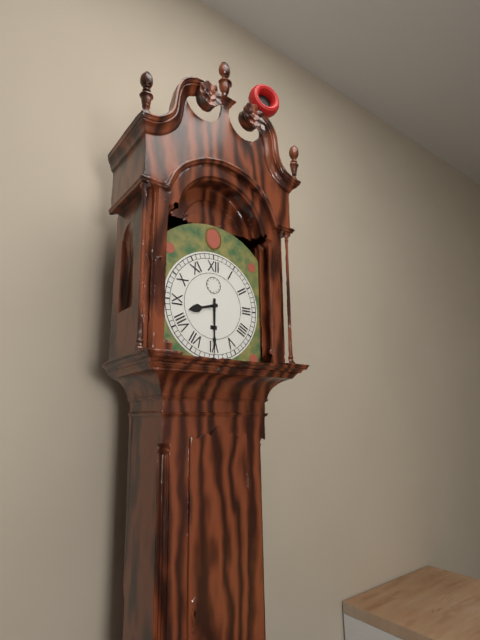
h=8 m=30
